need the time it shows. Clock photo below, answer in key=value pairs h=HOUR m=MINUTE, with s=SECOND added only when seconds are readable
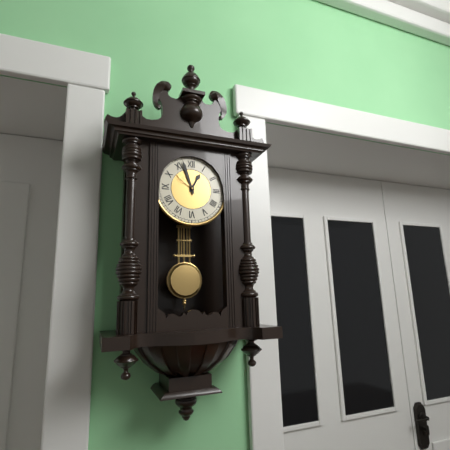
h=12 m=57
